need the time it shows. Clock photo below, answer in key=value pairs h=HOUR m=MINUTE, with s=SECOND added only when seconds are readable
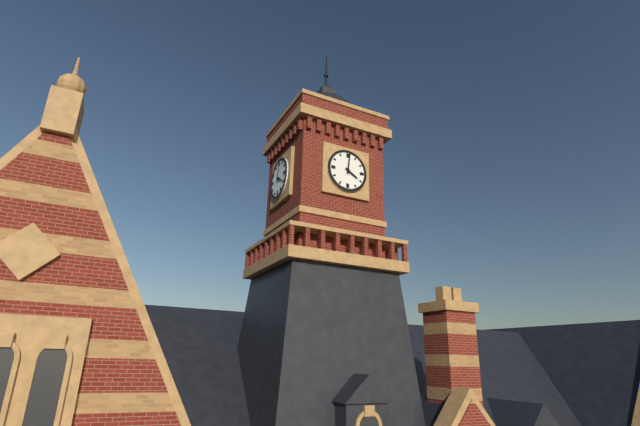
h=4 m=1
